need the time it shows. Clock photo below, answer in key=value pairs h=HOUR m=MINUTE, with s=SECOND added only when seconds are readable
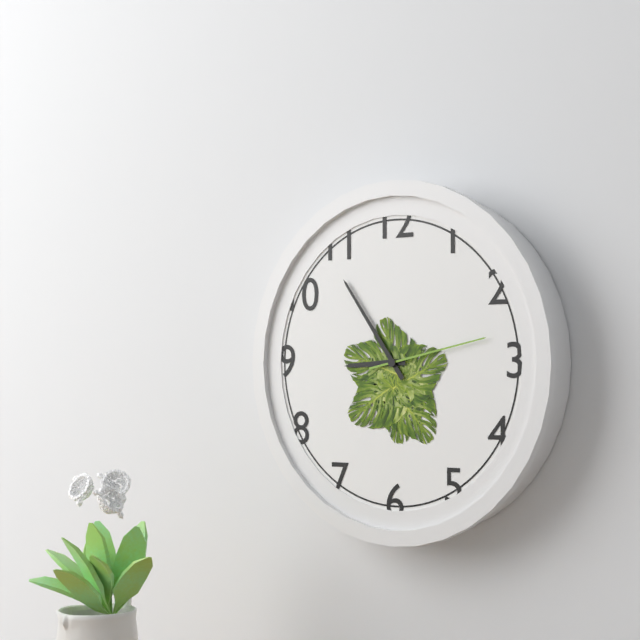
h=8 m=54 s=13
